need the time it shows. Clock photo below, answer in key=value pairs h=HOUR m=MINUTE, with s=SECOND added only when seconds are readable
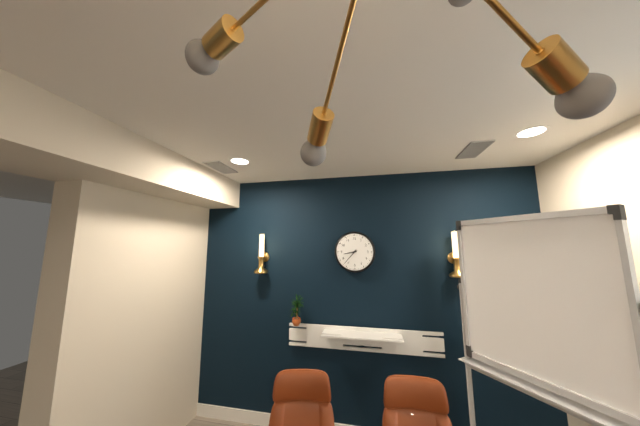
h=8 m=37
